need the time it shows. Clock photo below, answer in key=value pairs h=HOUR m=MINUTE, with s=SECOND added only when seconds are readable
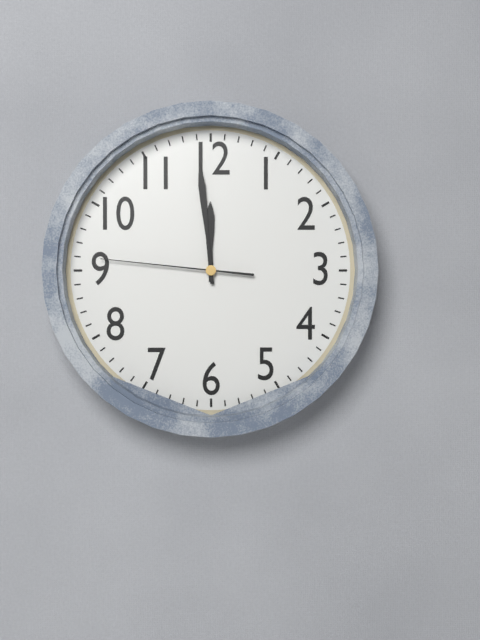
h=11 m=59 s=46
